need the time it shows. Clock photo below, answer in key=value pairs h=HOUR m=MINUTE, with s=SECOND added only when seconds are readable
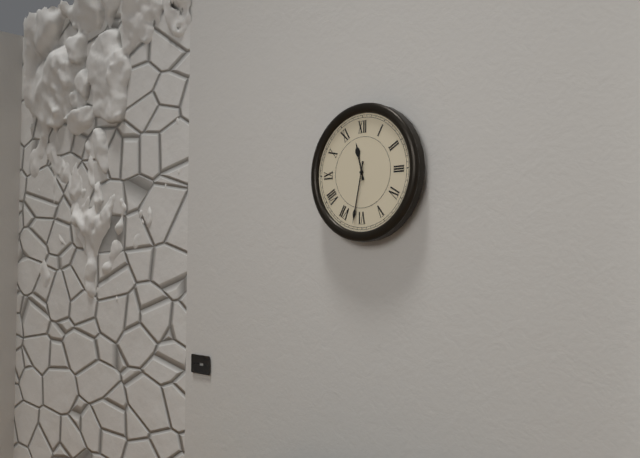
h=11 m=32
